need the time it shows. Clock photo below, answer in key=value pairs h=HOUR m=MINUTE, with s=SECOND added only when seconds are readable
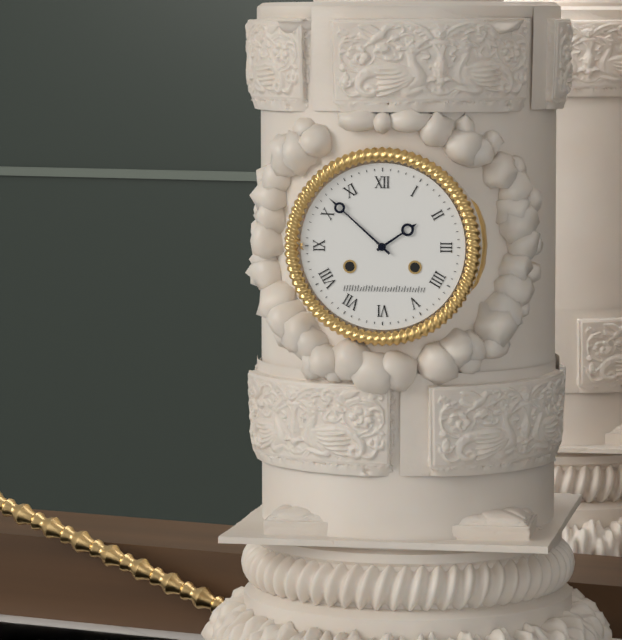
h=1 m=52
